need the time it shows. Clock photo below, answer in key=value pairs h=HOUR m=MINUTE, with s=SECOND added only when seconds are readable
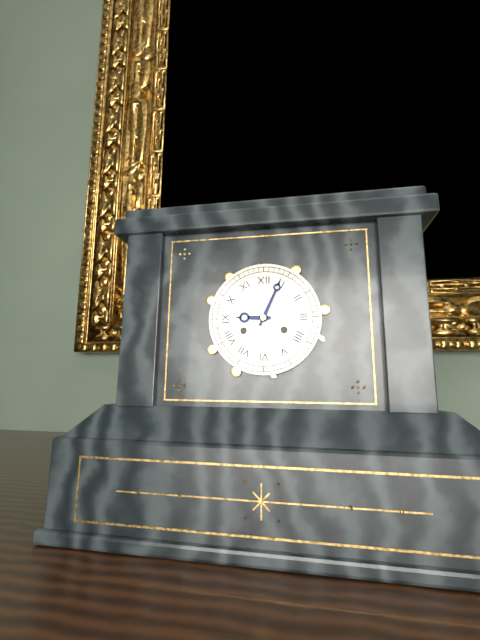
h=9 m=4
